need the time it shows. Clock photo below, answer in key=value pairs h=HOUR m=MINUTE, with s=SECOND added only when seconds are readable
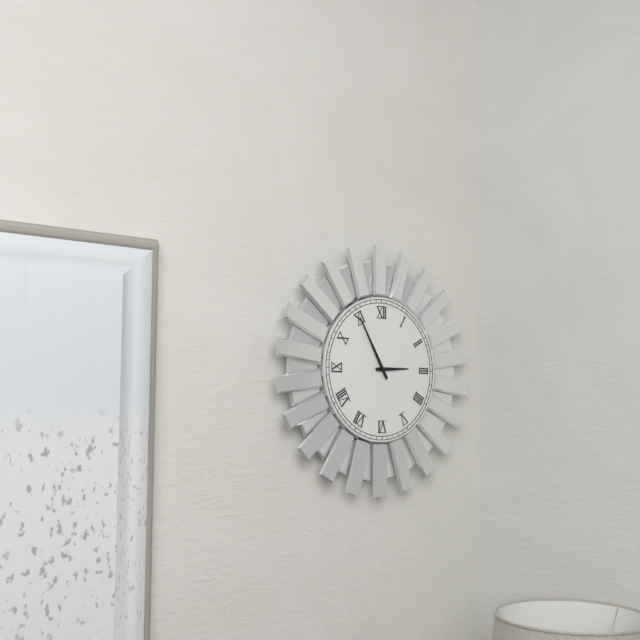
h=2 m=55
